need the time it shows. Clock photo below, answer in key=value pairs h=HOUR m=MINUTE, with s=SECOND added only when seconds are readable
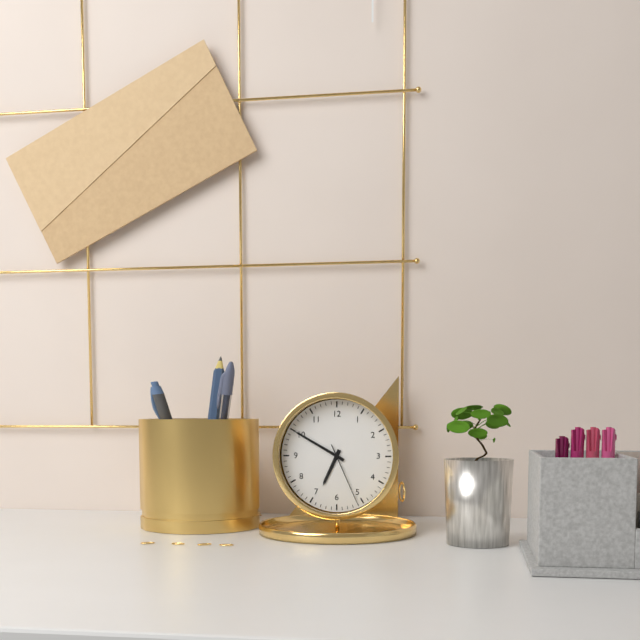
h=6 m=50 s=26
